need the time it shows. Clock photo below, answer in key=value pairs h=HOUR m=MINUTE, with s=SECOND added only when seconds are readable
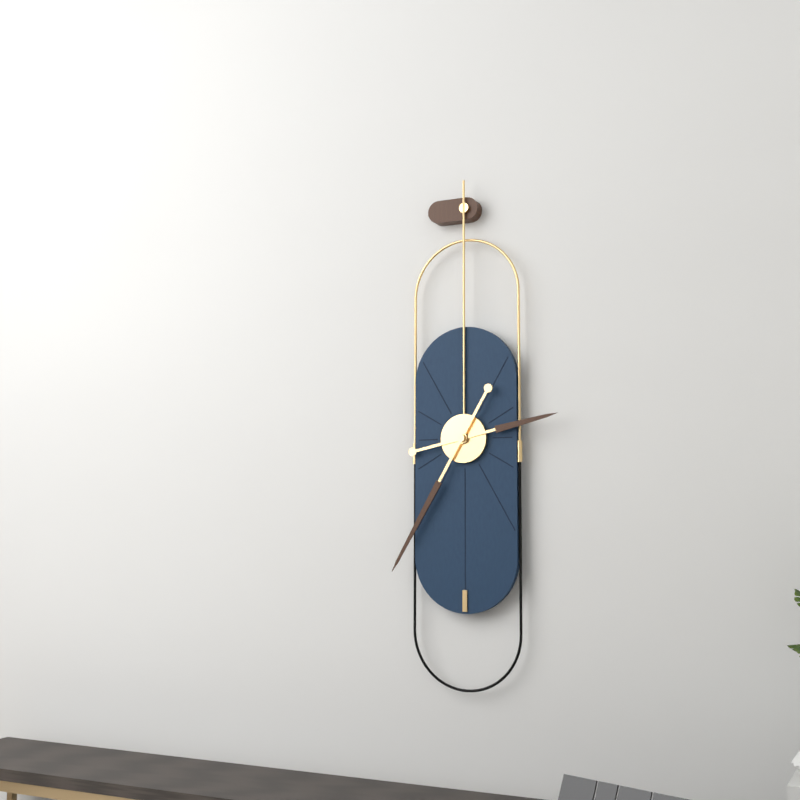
h=2 m=35
